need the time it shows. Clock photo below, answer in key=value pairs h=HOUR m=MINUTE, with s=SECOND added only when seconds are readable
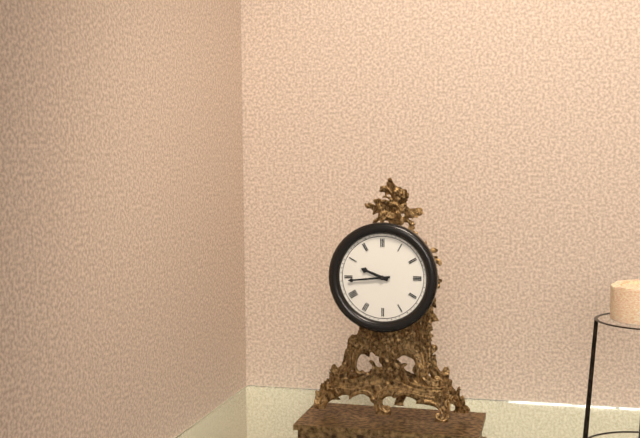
h=9 m=44
